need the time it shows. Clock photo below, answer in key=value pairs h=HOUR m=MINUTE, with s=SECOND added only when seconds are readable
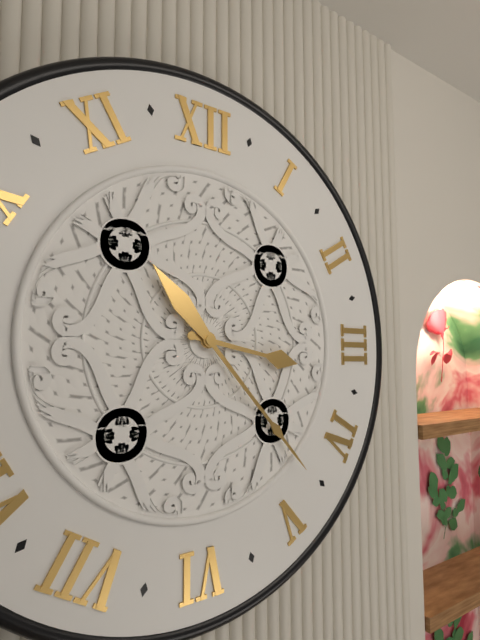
h=3 m=23
